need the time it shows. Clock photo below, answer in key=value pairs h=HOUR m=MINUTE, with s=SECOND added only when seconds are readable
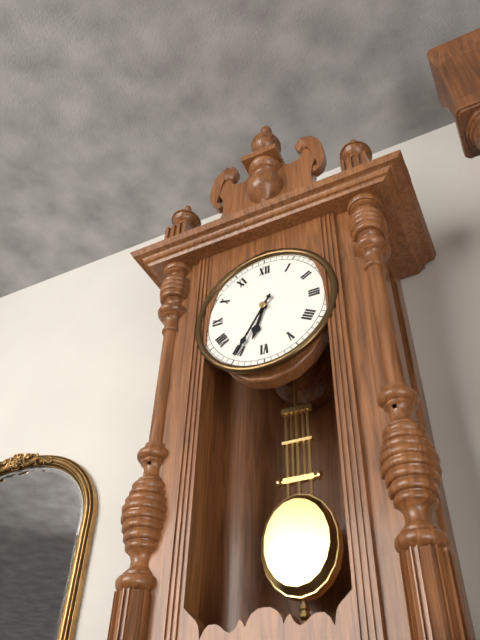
h=6 m=35
